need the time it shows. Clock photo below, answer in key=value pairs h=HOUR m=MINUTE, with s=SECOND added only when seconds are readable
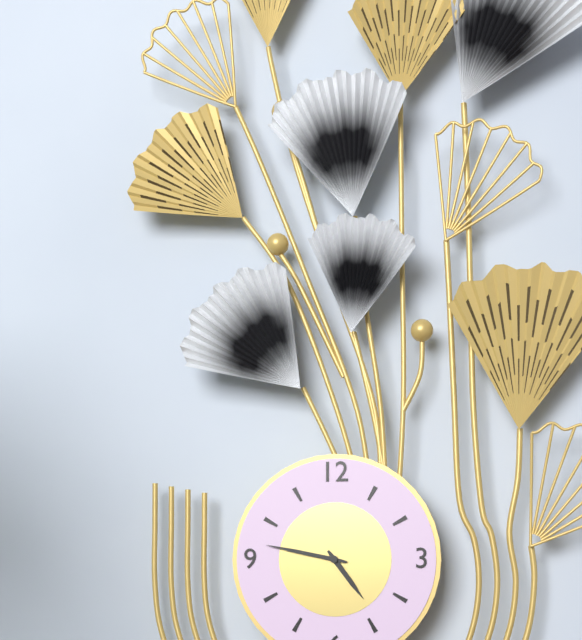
h=4 m=47
